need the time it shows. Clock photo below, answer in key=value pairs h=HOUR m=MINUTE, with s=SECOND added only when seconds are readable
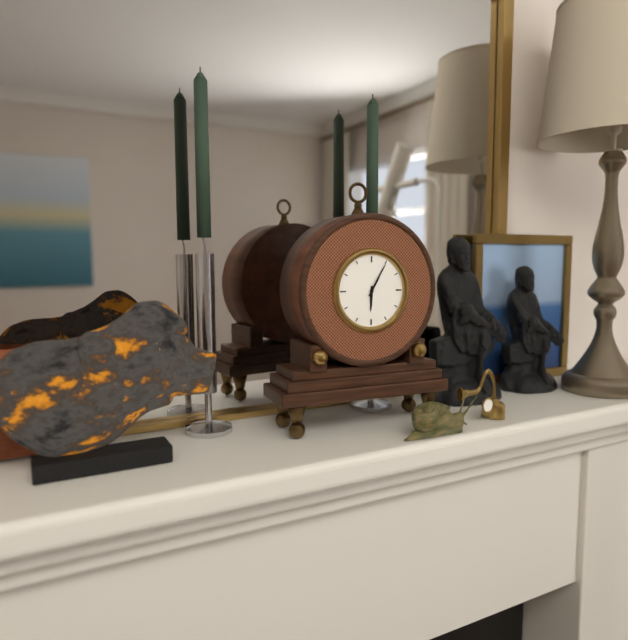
h=6 m=5
